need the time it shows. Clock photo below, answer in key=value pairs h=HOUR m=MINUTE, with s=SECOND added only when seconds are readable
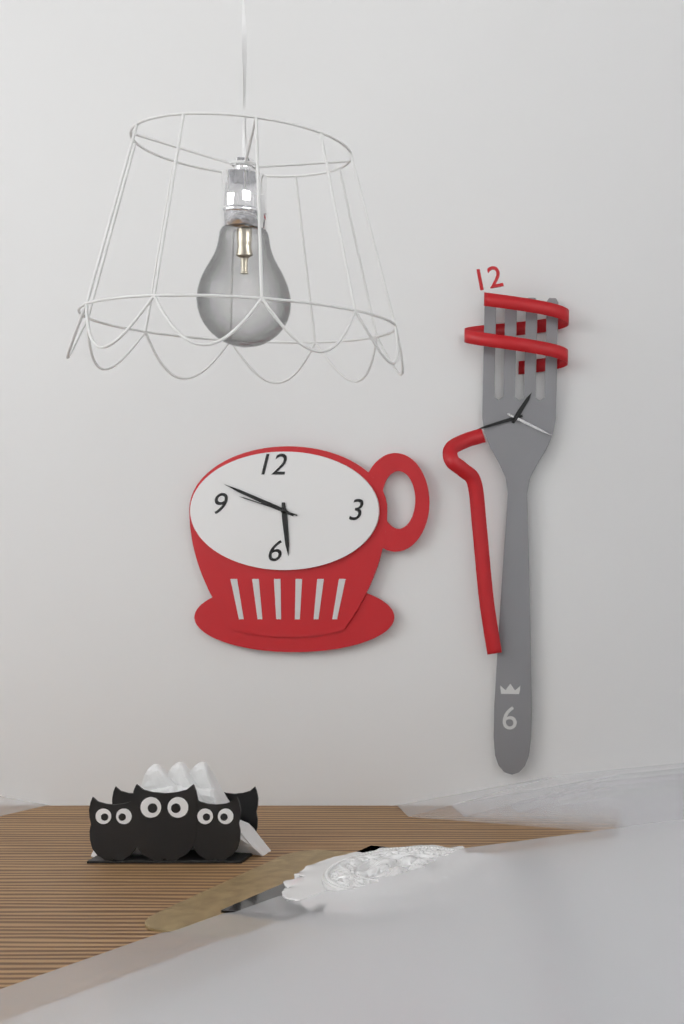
h=5 m=49 s=48
